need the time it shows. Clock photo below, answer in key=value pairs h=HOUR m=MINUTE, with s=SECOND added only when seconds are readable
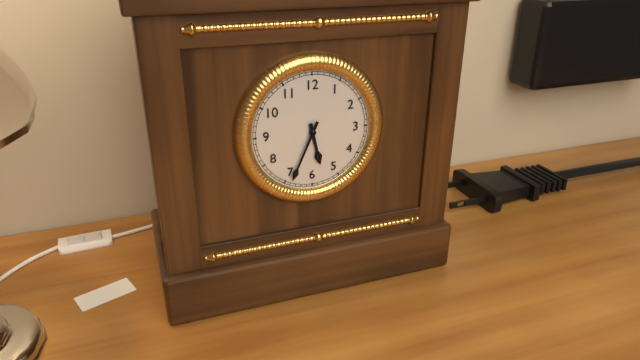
h=5 m=34
